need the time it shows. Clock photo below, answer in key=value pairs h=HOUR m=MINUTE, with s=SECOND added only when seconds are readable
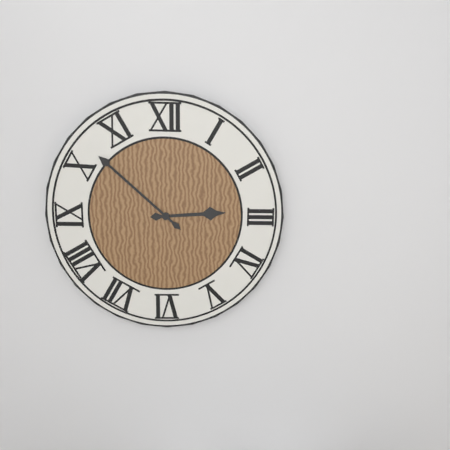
h=2 m=52
